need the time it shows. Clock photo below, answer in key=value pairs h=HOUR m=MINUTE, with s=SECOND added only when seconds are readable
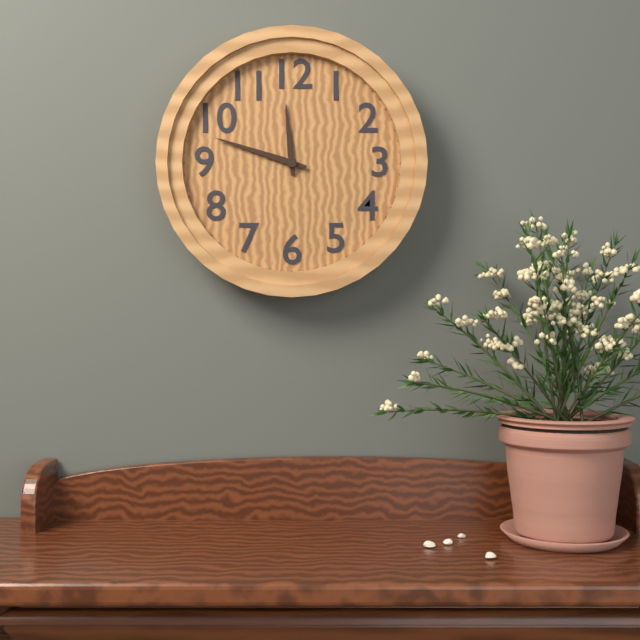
h=11 m=48
